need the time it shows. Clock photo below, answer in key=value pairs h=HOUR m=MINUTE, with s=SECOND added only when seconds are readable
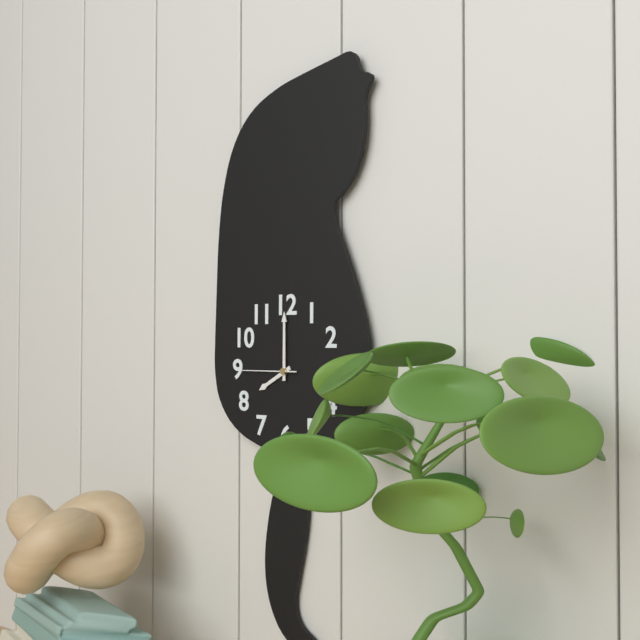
h=8 m=0 s=45
